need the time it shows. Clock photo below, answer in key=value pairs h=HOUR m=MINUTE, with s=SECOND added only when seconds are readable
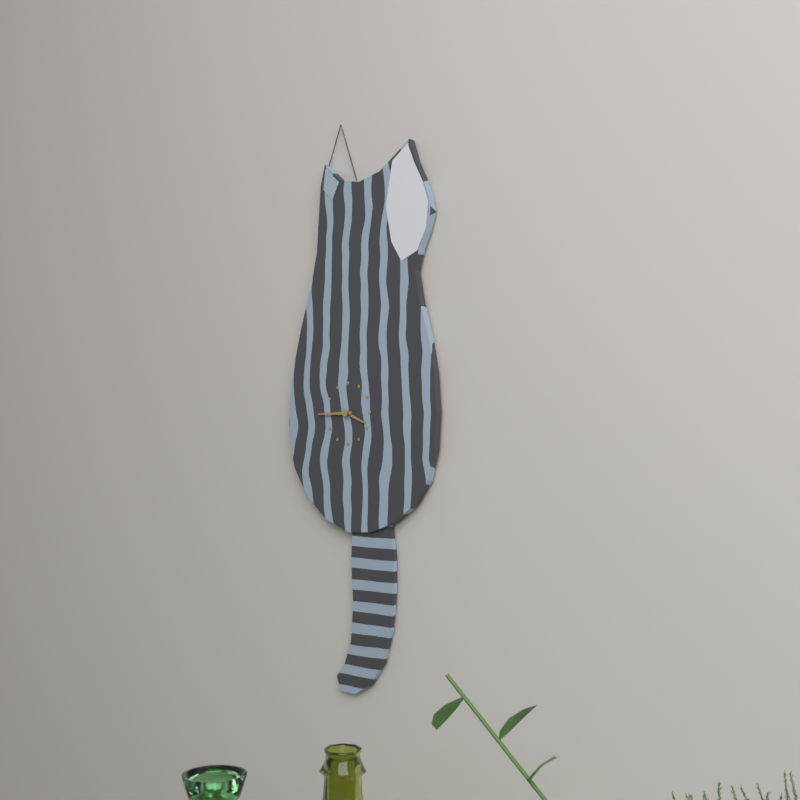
h=3 m=45
